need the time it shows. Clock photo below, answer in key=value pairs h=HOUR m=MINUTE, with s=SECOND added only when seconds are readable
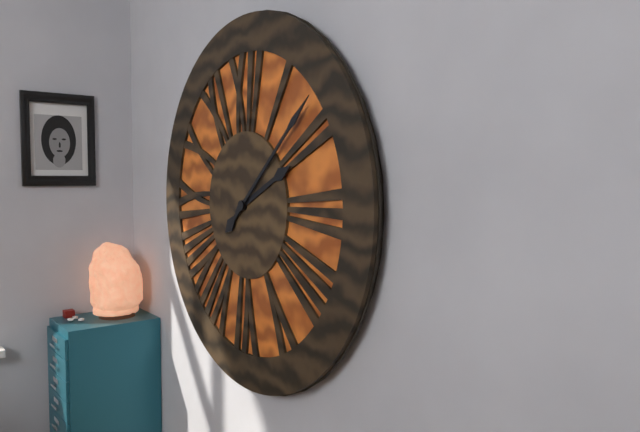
h=2 m=8
